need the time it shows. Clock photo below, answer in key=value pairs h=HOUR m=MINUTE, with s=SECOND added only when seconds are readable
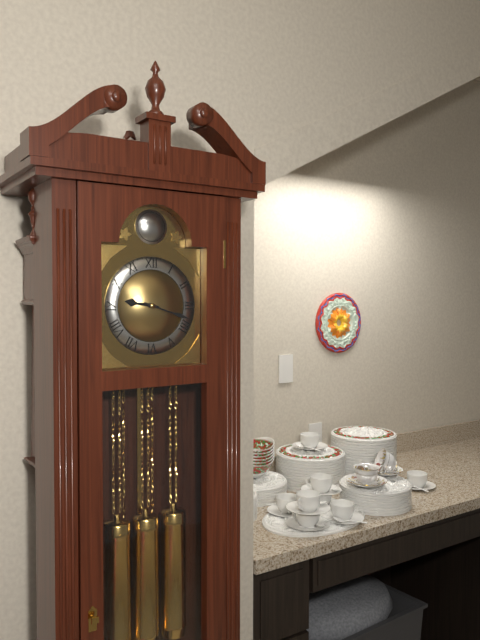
h=9 m=18
